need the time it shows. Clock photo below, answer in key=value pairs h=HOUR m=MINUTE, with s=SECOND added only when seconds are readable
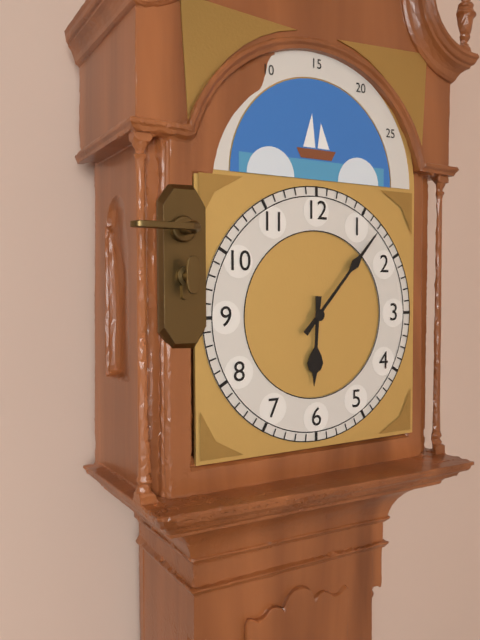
h=6 m=7
